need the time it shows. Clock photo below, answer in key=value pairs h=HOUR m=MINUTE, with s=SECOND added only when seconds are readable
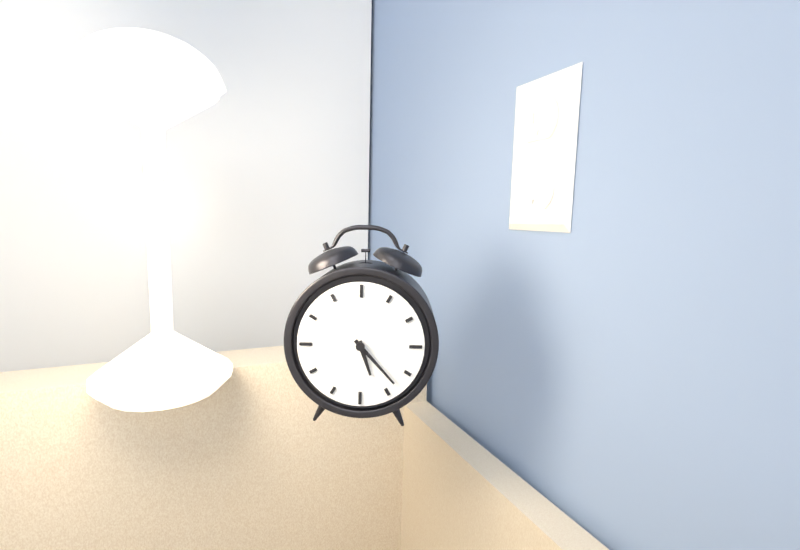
h=5 m=23
